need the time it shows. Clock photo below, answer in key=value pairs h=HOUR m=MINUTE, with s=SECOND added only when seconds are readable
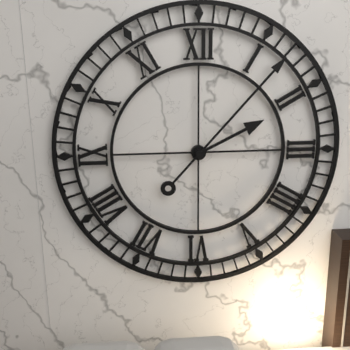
h=2 m=7
